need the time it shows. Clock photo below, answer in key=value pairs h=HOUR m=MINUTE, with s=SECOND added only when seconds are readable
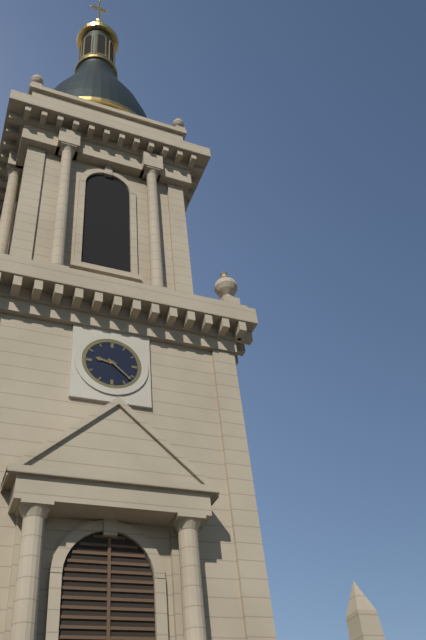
h=9 m=22
